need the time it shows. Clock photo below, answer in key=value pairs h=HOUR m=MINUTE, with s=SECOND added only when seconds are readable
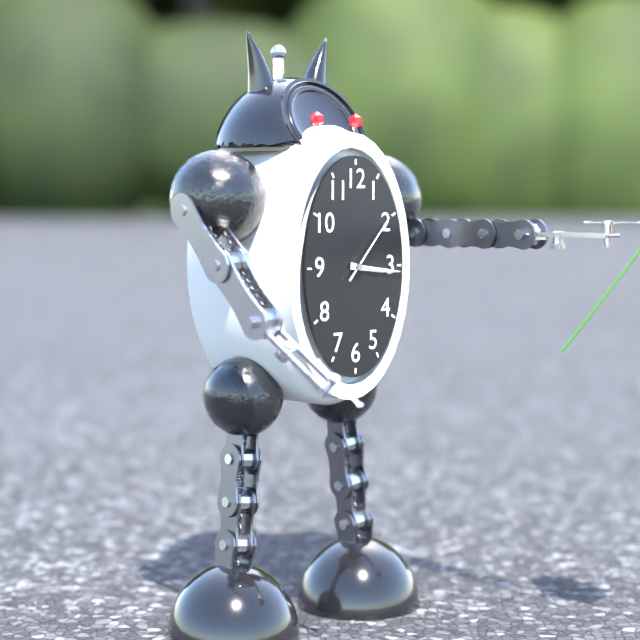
h=3 m=16 s=7
